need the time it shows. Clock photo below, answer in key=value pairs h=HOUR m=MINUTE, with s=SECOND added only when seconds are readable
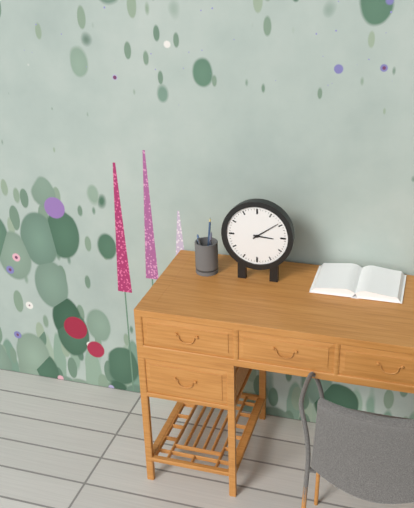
h=3 m=9
